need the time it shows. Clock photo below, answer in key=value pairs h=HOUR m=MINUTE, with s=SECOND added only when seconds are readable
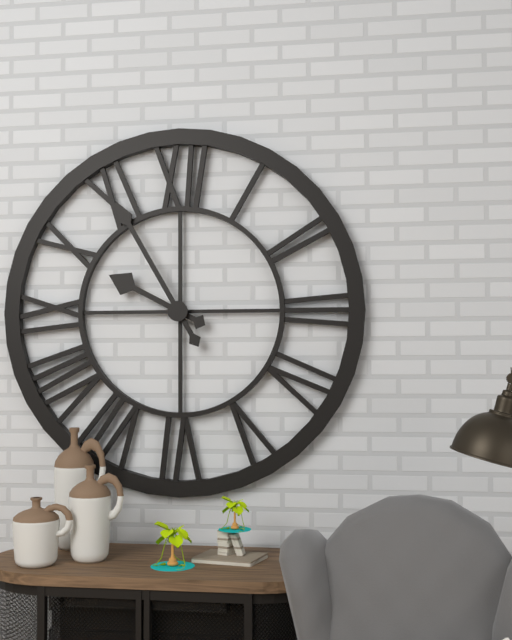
h=9 m=55
